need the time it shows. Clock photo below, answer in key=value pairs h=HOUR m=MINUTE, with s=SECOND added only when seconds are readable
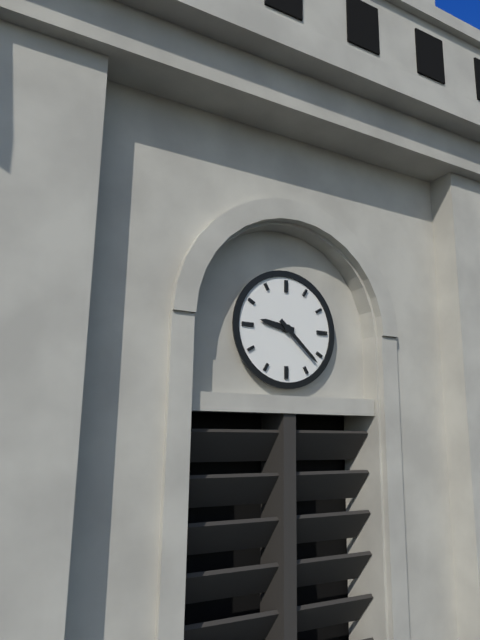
h=9 m=22
